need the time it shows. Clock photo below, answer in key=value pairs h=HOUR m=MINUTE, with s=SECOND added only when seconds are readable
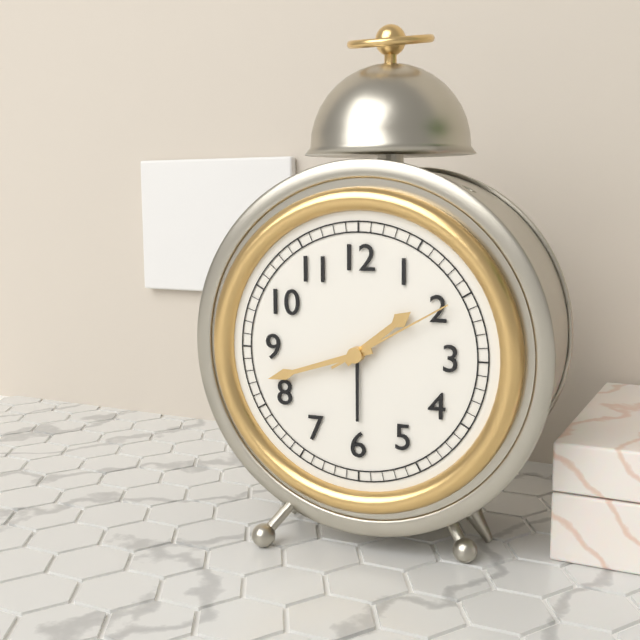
h=1 m=42 s=10
